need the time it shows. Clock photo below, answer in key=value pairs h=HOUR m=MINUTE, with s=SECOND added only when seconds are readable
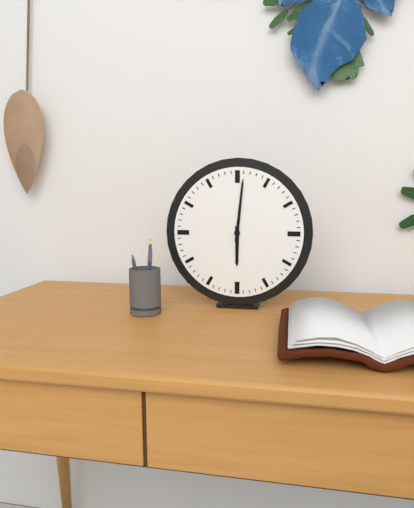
h=6 m=1
